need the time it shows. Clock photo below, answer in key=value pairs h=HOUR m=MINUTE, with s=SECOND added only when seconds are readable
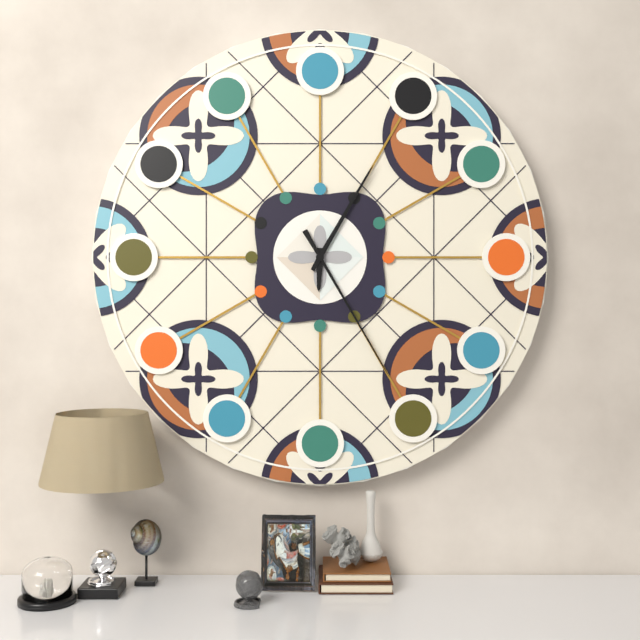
h=6 m=5 s=25
